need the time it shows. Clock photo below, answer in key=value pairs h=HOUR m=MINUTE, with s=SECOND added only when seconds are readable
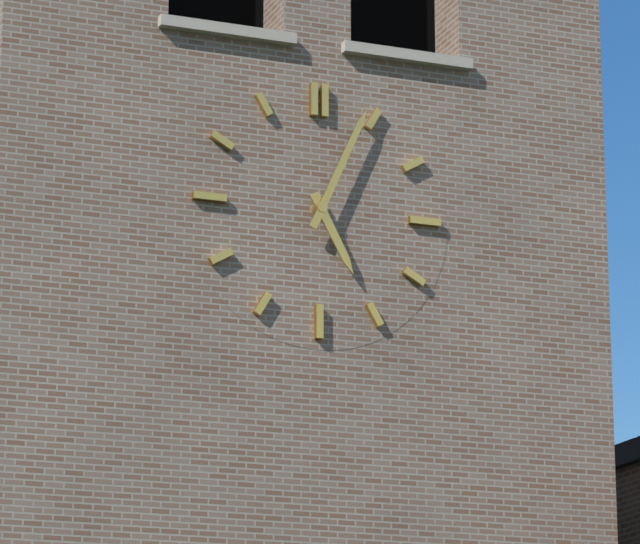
h=5 m=4
